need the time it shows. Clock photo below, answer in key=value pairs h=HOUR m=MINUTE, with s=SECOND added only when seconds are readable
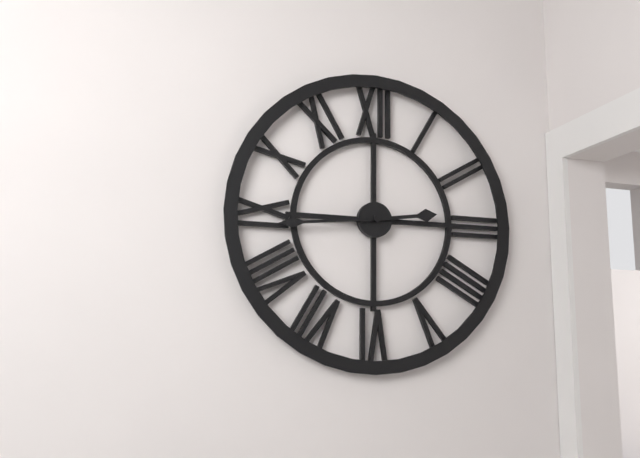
h=2 m=44
